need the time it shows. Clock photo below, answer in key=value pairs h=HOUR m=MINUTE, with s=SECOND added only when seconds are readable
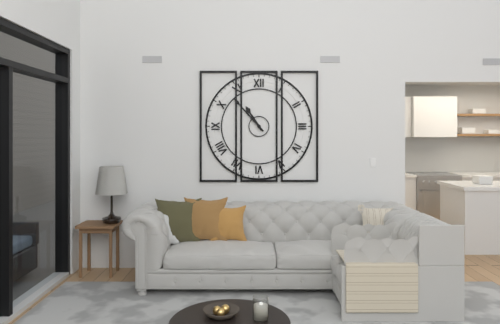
h=10 m=53
